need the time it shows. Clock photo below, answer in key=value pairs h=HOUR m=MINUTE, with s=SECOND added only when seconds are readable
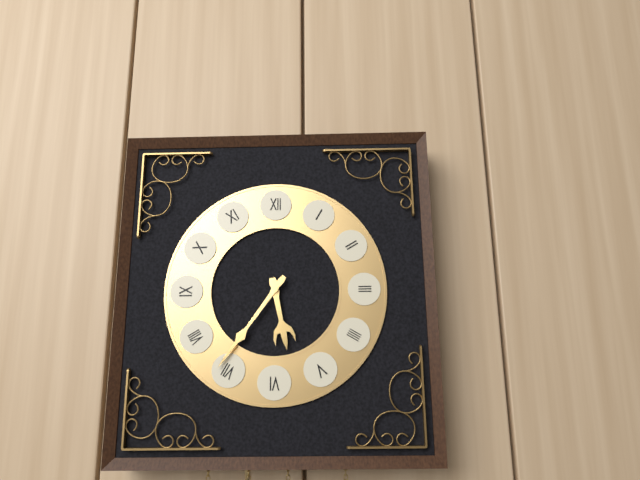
h=5 m=36
